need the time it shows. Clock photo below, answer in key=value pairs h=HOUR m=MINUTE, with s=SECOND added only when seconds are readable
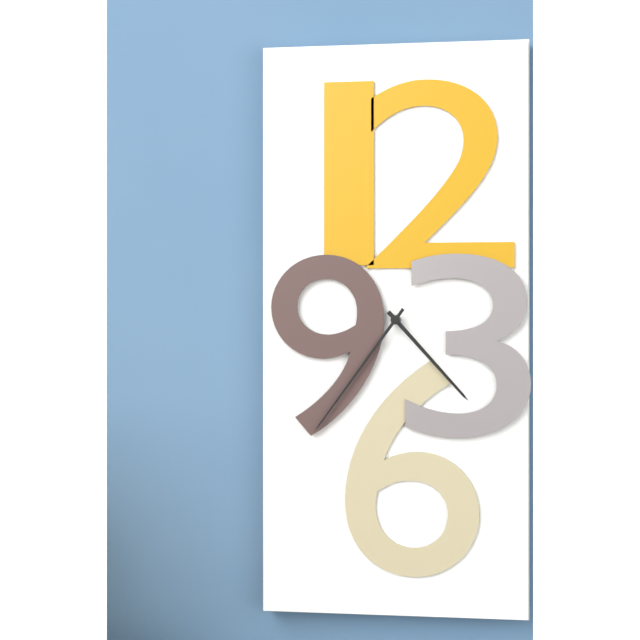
h=4 m=36
